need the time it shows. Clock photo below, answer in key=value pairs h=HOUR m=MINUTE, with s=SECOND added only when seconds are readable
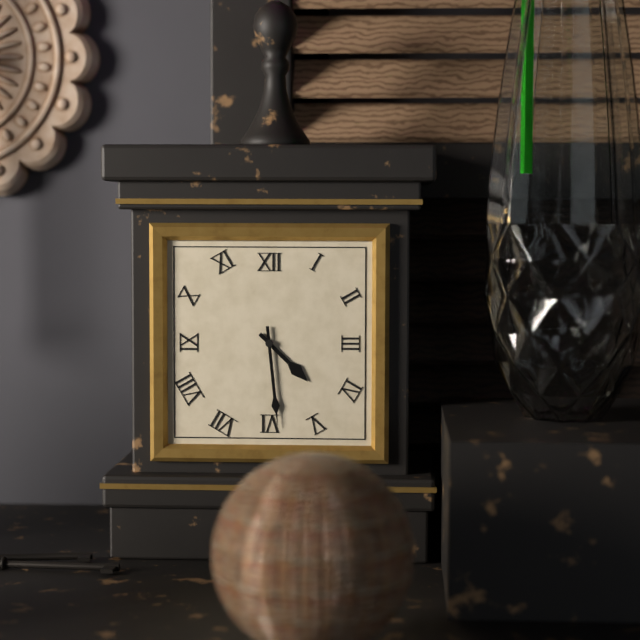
h=4 m=29
